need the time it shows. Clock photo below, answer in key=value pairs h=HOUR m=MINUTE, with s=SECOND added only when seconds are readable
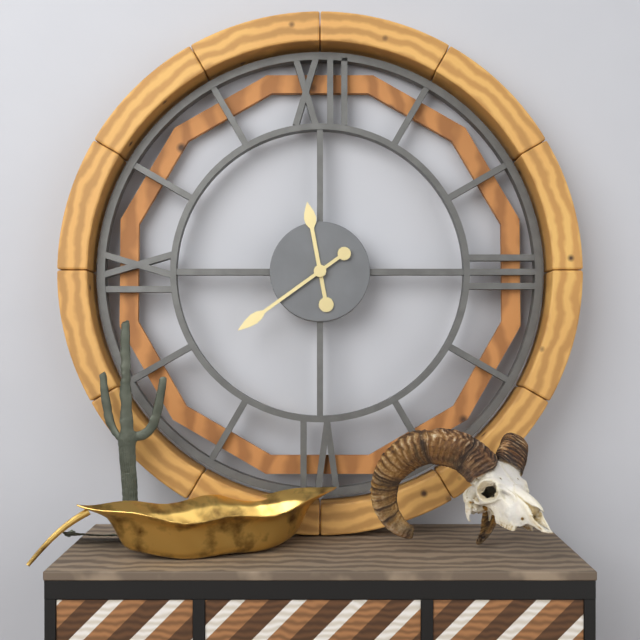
h=11 m=39
